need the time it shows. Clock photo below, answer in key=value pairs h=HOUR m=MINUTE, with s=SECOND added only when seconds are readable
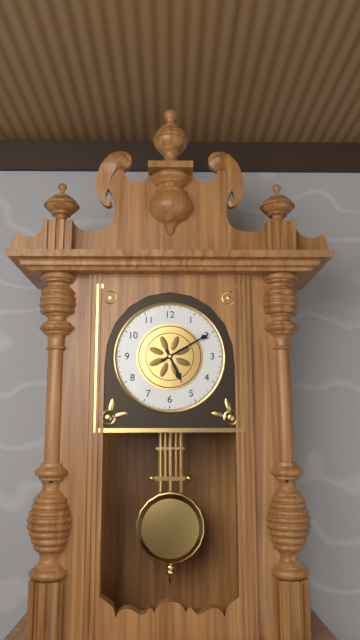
h=5 m=10
